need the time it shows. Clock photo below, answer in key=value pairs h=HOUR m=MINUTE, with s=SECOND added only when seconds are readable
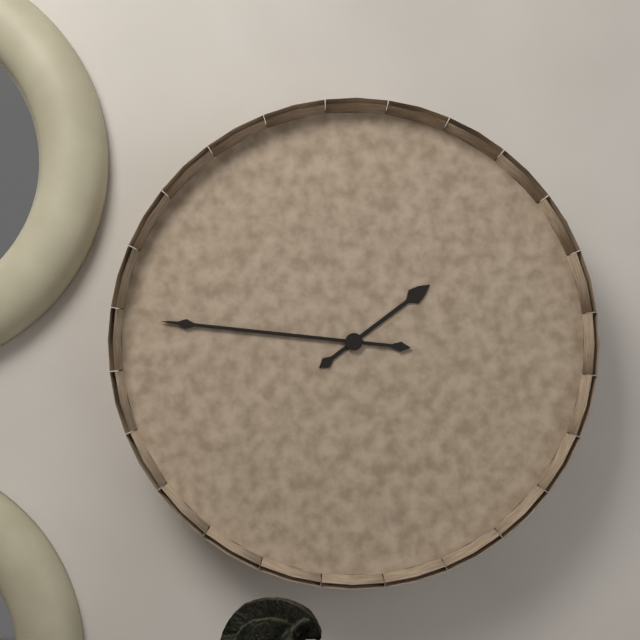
h=1 m=46
